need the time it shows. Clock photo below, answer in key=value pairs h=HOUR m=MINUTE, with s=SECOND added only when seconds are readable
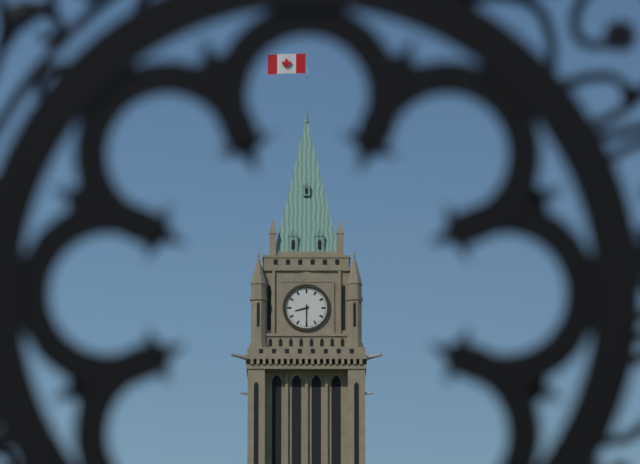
h=8 m=30
